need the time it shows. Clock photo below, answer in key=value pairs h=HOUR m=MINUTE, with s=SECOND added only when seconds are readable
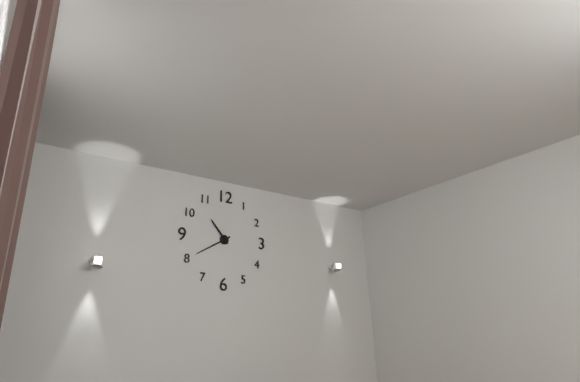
h=10 m=40
